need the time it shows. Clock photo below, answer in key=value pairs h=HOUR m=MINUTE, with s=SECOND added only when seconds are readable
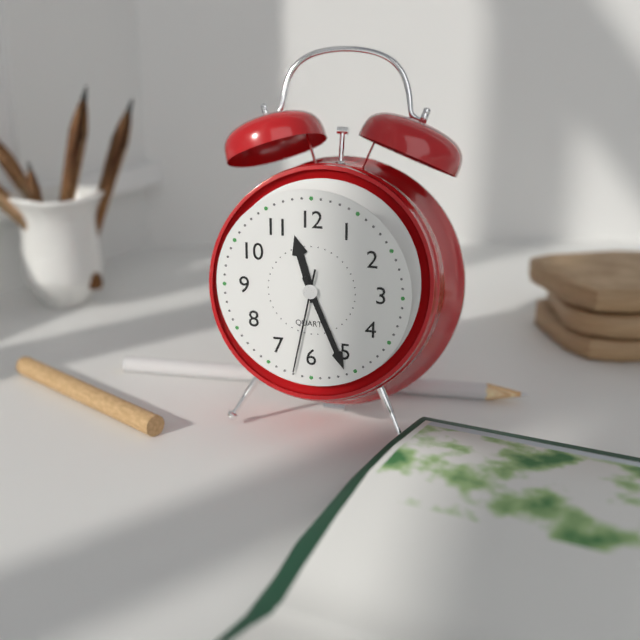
h=11 m=26 s=32
